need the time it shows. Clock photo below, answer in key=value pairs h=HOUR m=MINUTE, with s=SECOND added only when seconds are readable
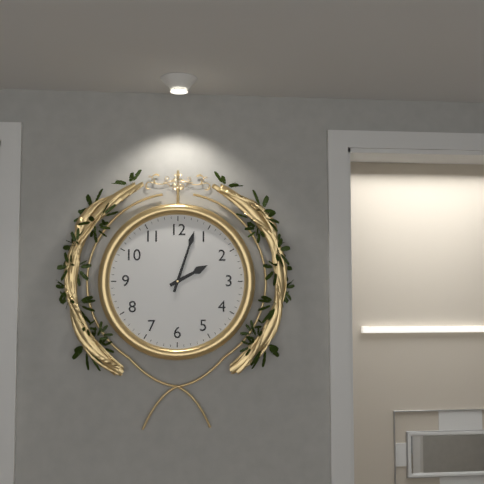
h=2 m=3
